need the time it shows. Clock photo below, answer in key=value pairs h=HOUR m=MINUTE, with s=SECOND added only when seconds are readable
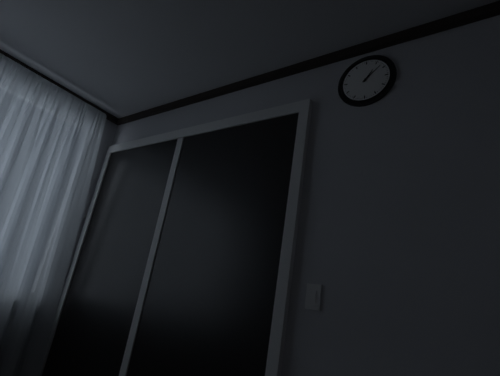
h=1 m=8
